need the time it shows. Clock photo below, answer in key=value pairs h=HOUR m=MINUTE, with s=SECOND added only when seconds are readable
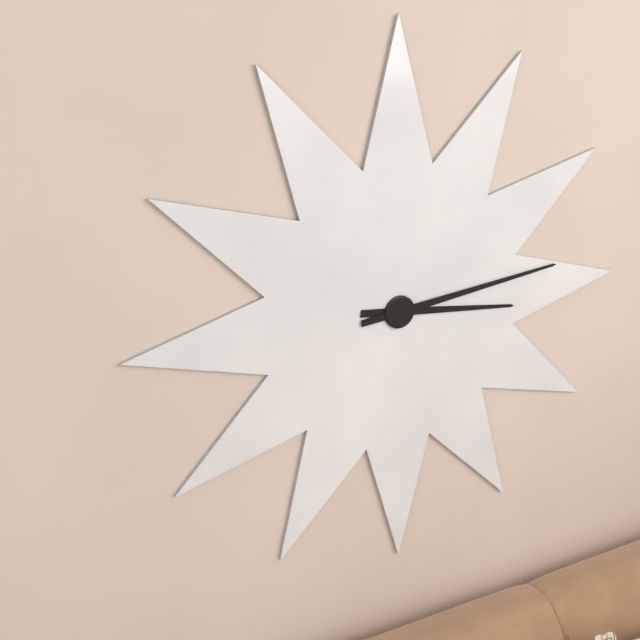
h=3 m=14
